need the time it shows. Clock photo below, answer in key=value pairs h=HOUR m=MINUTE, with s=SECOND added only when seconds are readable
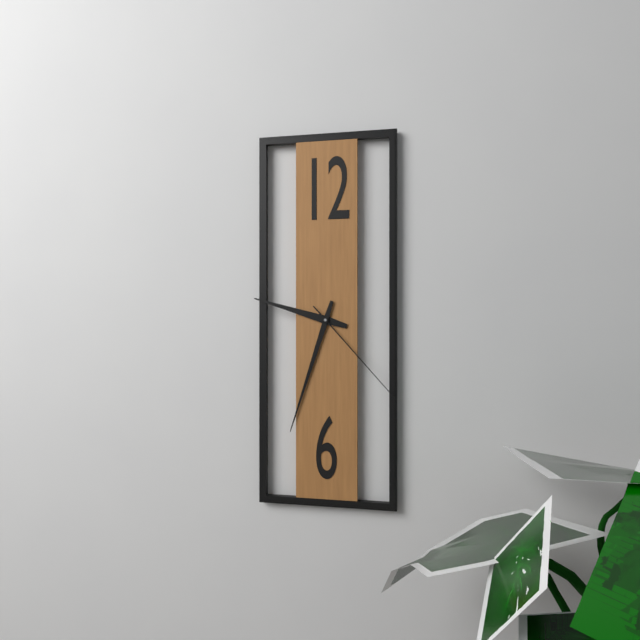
h=9 m=33 s=23
